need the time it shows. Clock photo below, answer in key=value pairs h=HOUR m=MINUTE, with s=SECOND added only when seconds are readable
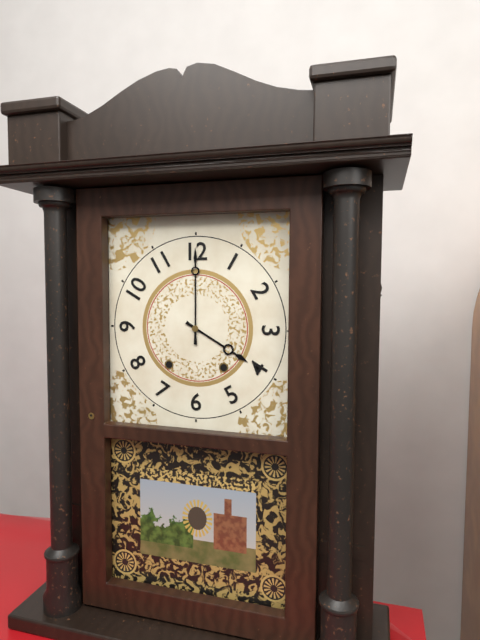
h=4 m=0
